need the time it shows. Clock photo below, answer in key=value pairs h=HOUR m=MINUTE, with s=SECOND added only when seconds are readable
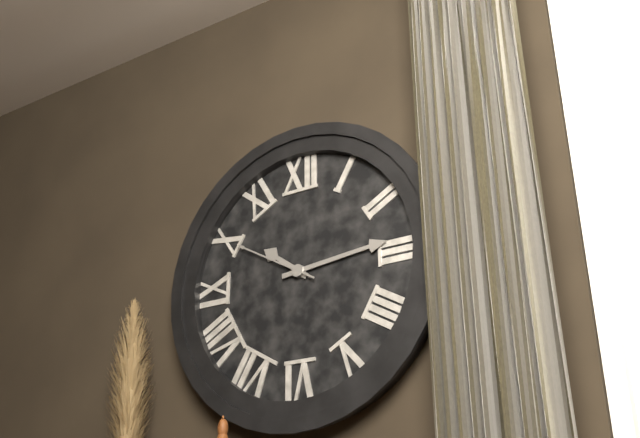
h=10 m=14 s=50
